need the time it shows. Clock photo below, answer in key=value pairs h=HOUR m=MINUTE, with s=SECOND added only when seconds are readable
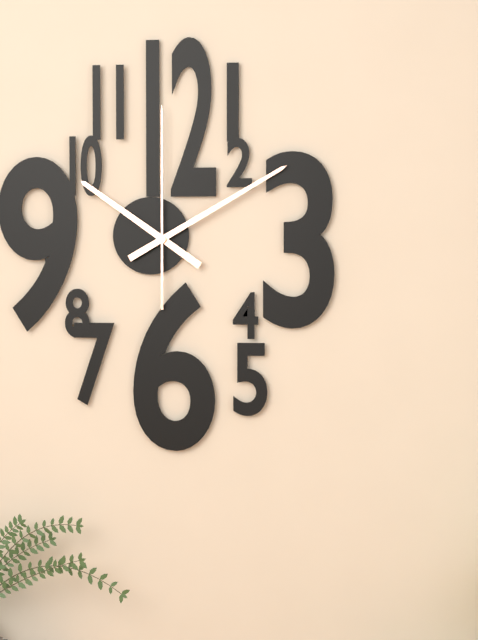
h=10 m=10 s=0
